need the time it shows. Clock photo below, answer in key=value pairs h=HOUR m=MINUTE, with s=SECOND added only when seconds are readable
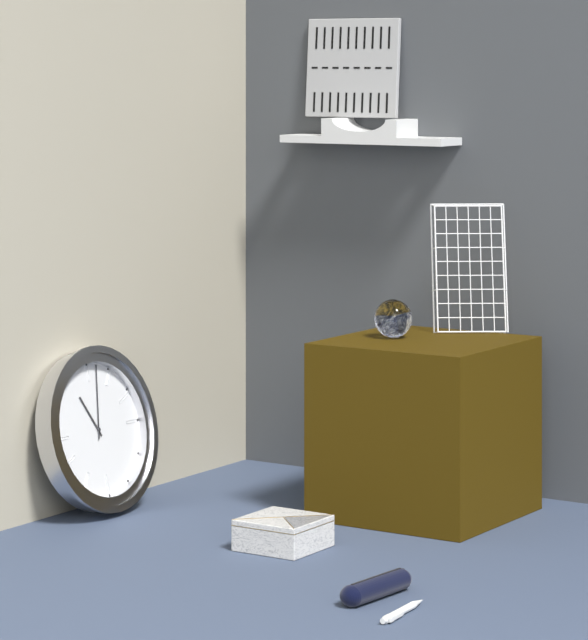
h=11 m=2
